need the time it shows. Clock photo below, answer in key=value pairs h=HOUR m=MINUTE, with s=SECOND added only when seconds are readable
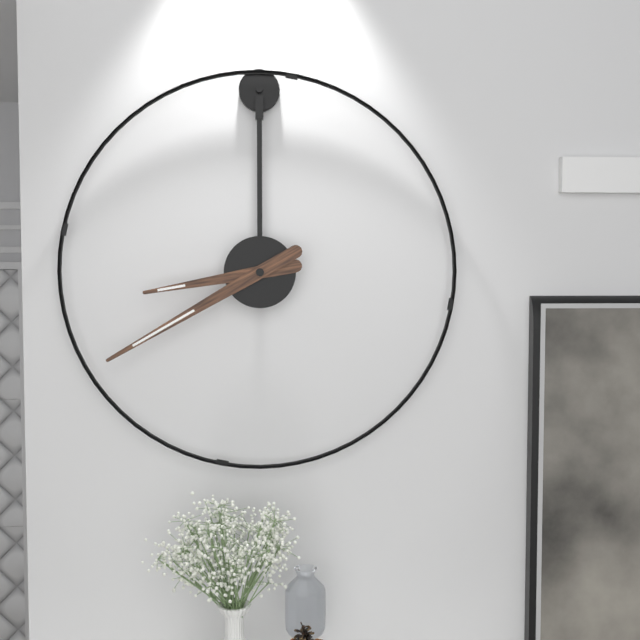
h=8 m=40
